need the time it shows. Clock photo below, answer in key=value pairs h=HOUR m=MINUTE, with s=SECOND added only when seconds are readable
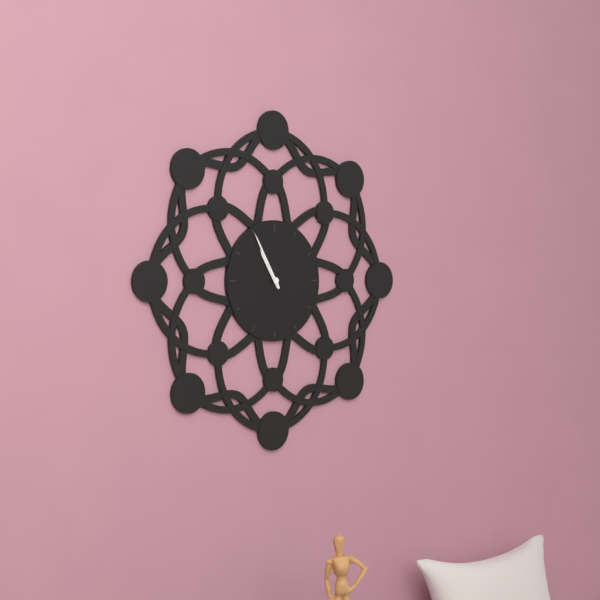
h=10 m=55
